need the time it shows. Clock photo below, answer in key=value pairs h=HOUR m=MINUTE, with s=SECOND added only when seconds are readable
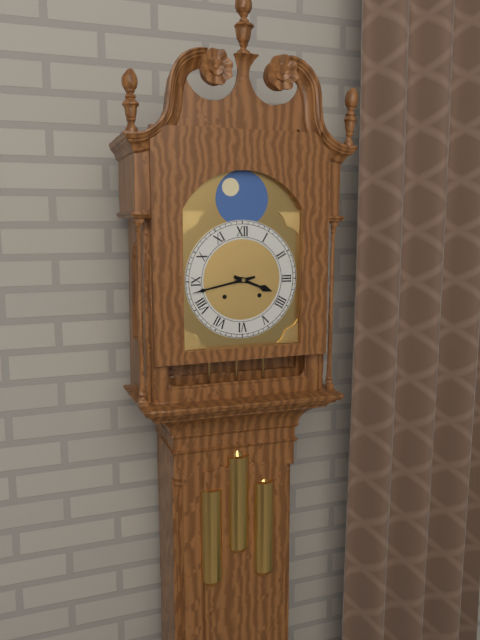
h=3 m=43
